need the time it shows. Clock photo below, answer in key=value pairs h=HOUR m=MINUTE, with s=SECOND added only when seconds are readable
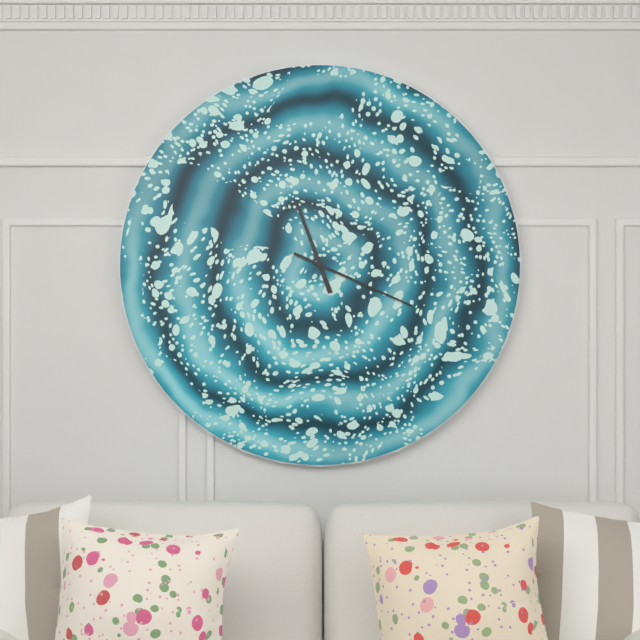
h=11 m=19
